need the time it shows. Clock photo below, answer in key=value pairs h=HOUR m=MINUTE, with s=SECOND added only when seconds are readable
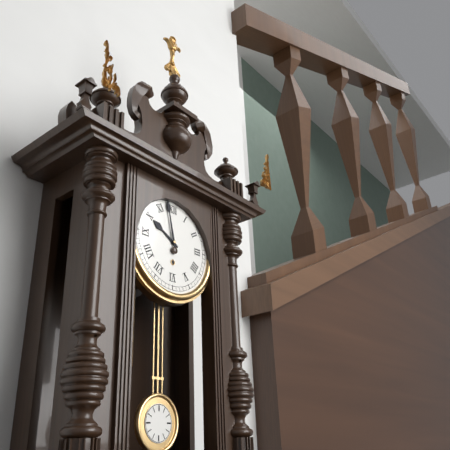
h=9 m=58
